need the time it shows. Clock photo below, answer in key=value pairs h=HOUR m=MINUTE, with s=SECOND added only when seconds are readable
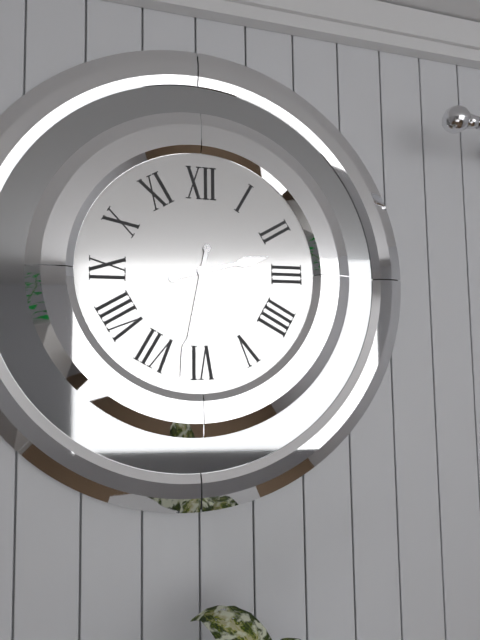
h=2 m=32
